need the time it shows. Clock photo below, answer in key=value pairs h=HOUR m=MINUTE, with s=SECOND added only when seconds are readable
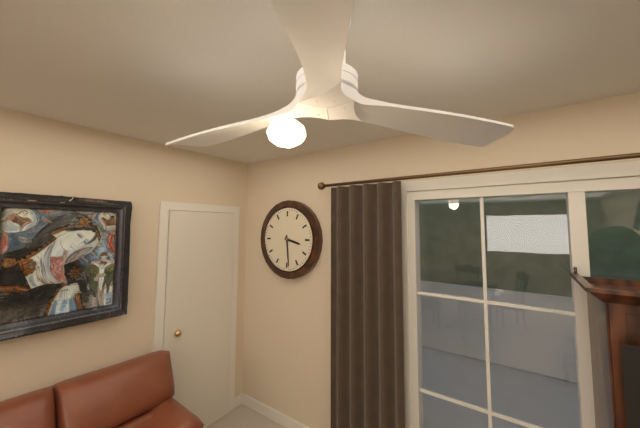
h=3 m=29
